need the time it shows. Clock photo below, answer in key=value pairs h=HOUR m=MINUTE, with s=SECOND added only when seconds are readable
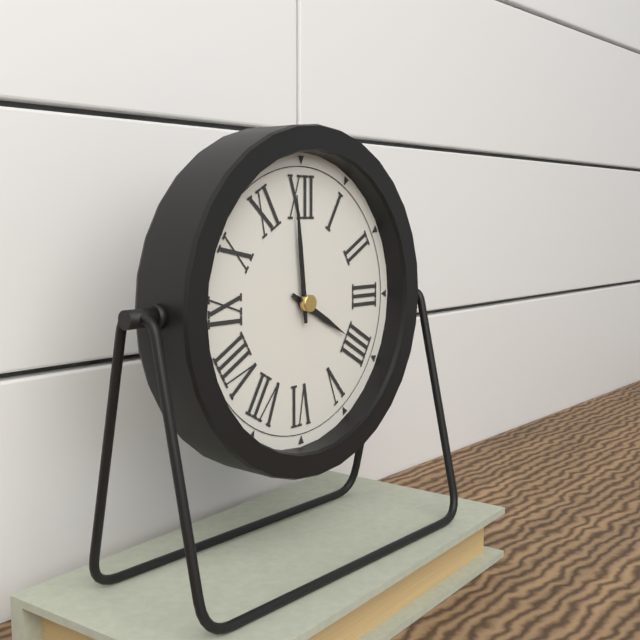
h=3 m=59
